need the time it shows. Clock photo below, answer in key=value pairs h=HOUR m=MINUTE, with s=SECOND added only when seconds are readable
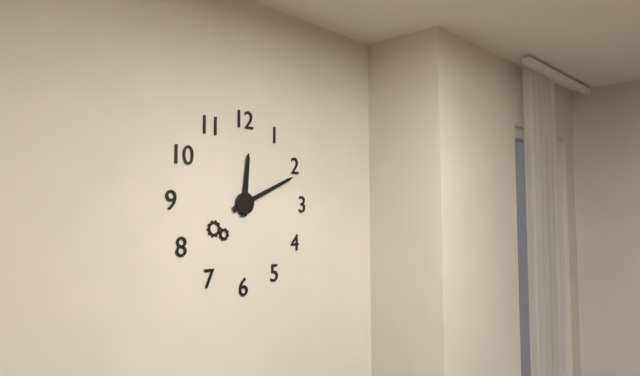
h=12 m=11
